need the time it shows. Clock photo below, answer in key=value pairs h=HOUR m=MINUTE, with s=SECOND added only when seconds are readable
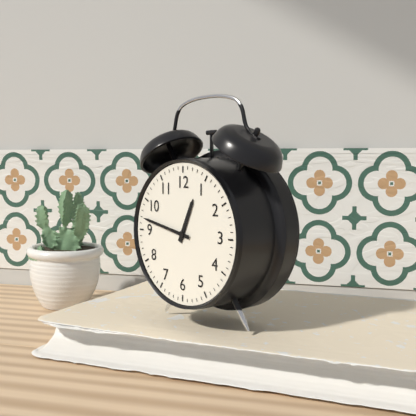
h=12 m=47
